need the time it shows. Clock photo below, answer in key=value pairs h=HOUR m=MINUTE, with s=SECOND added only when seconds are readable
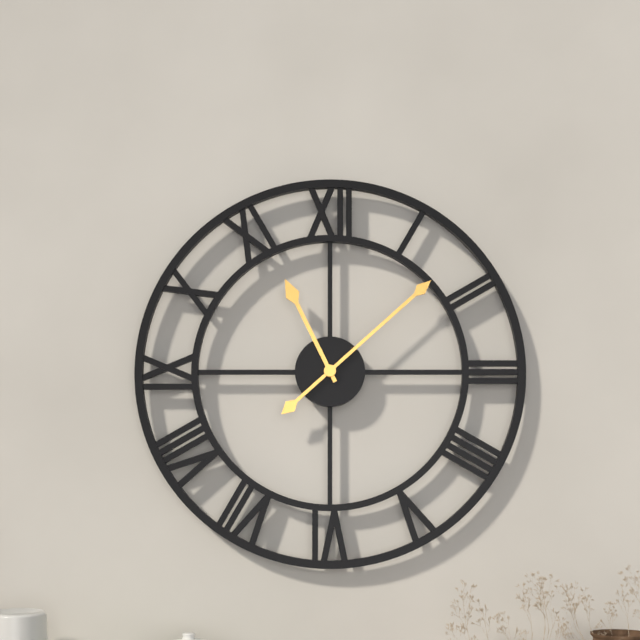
h=11 m=8
